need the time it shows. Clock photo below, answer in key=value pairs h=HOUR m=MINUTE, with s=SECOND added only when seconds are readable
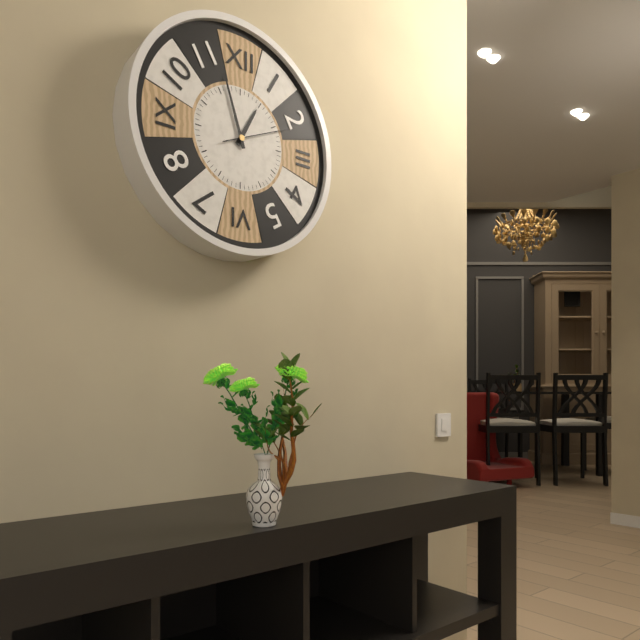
h=12 m=57 s=11
